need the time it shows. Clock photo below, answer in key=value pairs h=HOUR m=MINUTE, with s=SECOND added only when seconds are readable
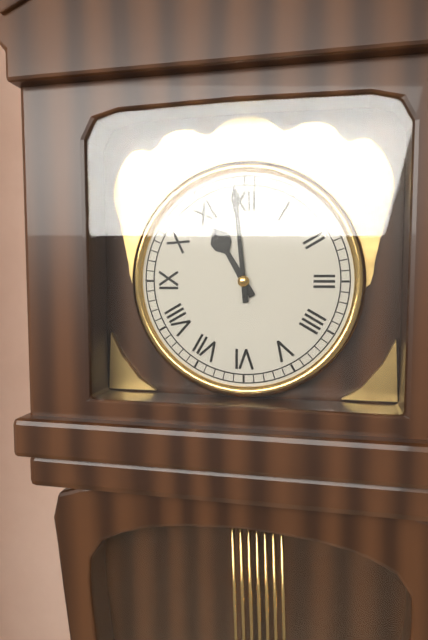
h=10 m=59
